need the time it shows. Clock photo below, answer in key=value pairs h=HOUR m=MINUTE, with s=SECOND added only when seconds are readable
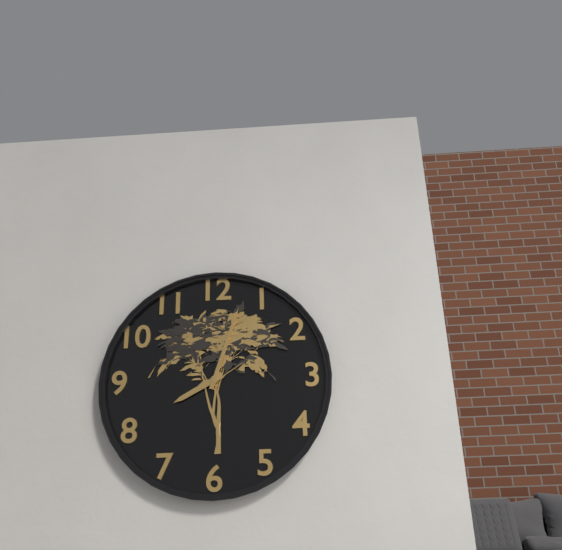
h=8 m=3
